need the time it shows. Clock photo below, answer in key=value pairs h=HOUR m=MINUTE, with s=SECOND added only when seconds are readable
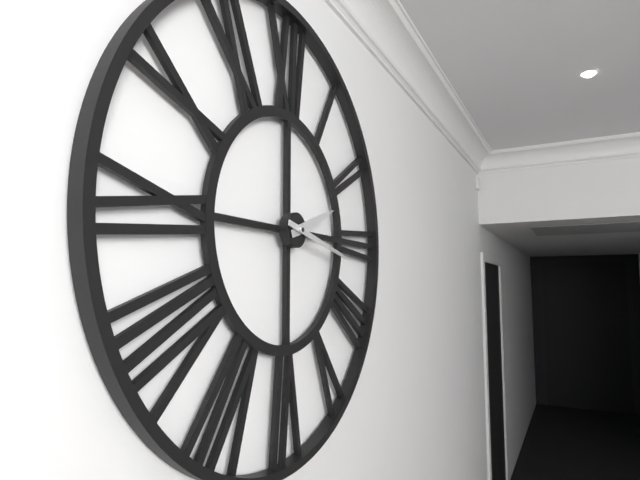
h=2 m=17
